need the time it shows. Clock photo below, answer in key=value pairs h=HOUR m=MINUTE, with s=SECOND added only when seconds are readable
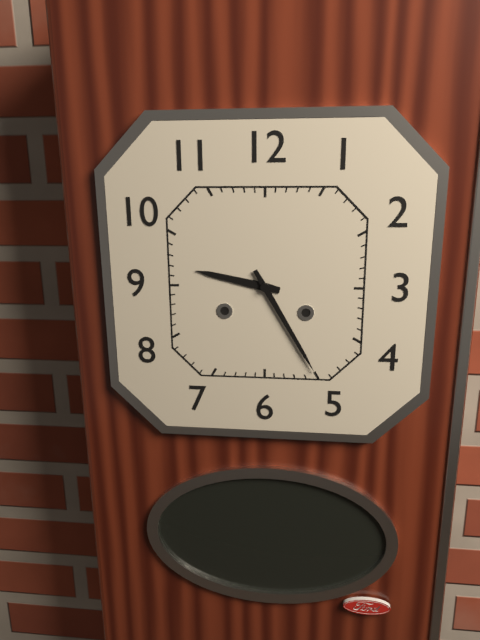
h=9 m=25
